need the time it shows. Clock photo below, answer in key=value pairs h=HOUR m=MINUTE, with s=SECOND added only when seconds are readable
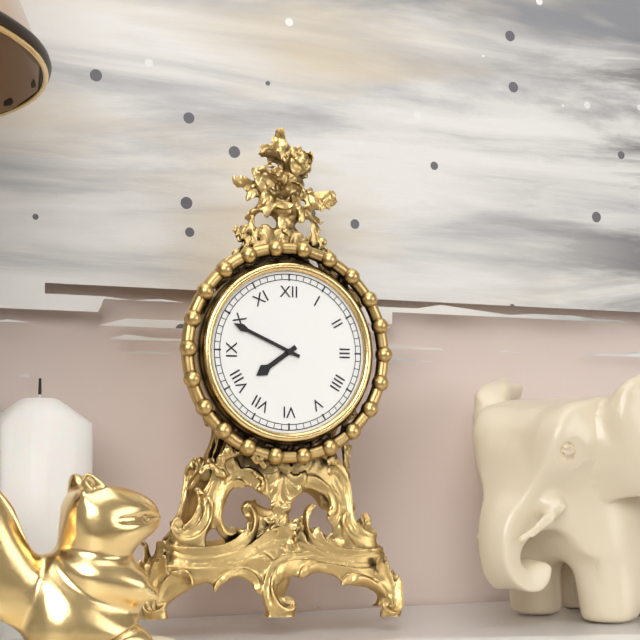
h=7 m=49
